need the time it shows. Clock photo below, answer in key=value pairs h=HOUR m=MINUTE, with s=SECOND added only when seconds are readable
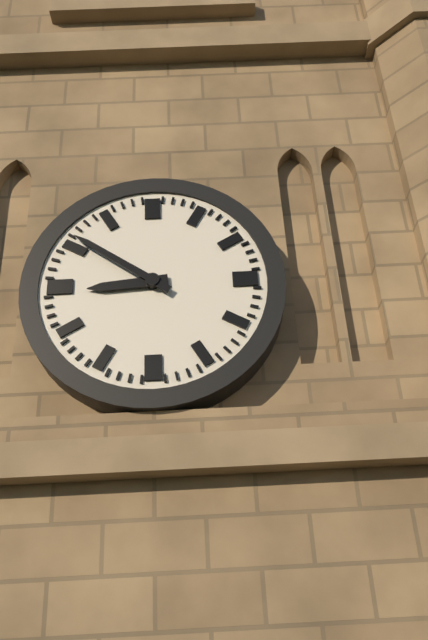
h=8 m=51
